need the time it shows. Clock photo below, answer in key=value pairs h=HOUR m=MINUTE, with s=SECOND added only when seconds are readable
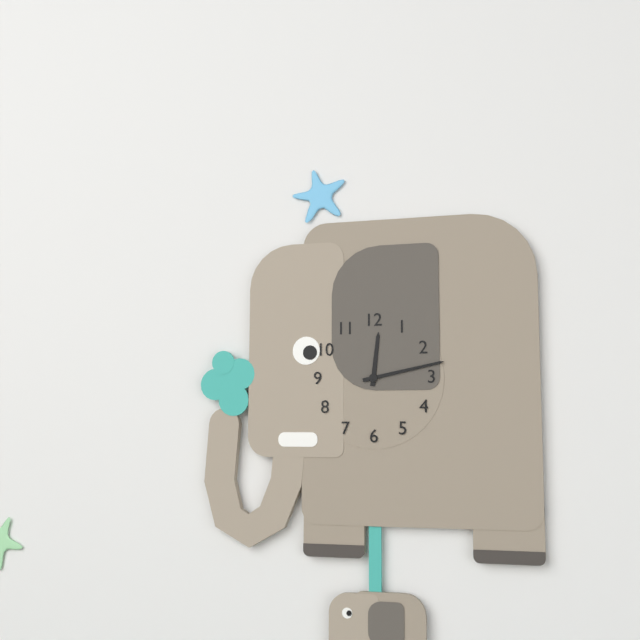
h=12 m=13
